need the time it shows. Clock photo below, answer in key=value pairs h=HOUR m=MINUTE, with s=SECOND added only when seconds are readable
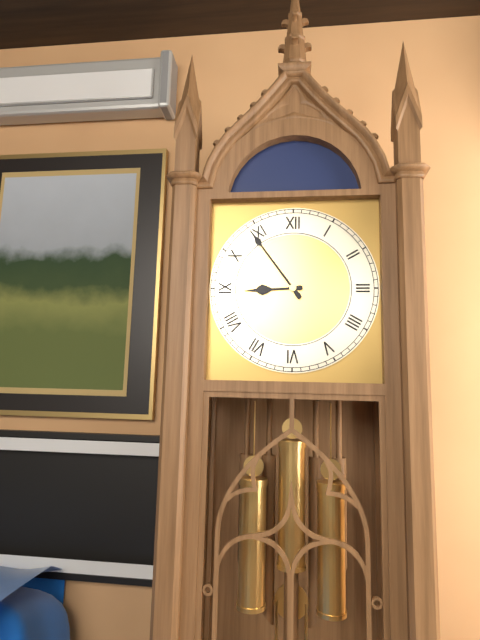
h=8 m=54
